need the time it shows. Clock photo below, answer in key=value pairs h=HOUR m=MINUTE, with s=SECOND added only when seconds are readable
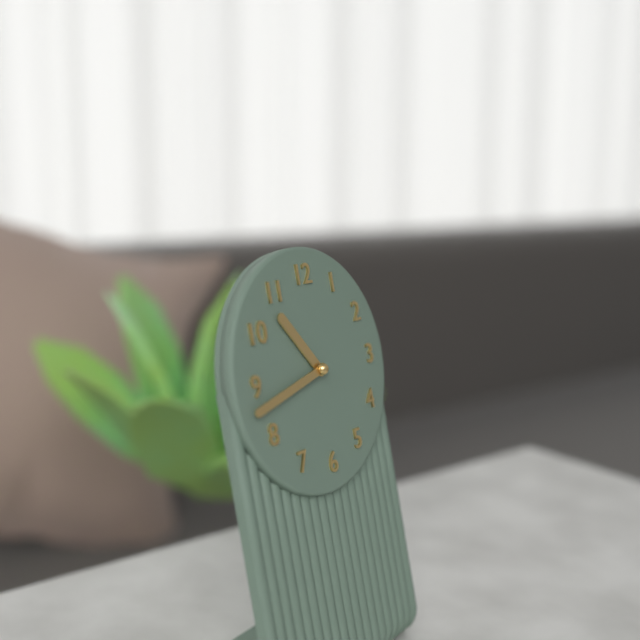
h=10 m=43
